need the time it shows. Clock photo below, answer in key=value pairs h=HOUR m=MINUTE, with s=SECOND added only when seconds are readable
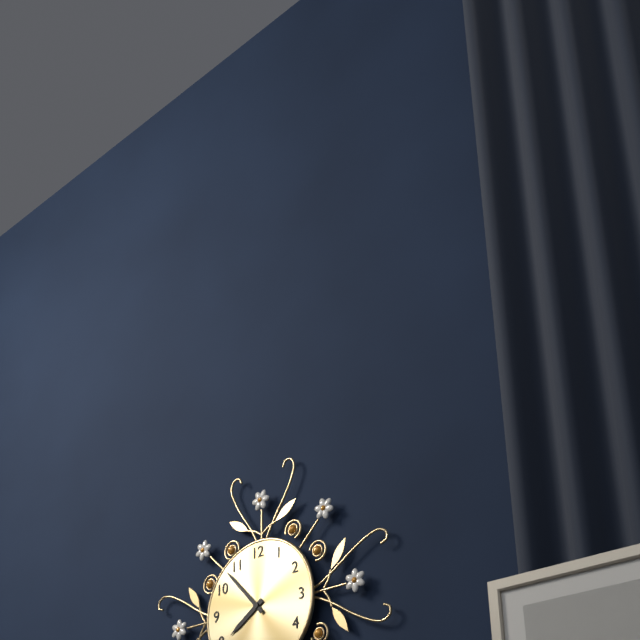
h=7 m=53
